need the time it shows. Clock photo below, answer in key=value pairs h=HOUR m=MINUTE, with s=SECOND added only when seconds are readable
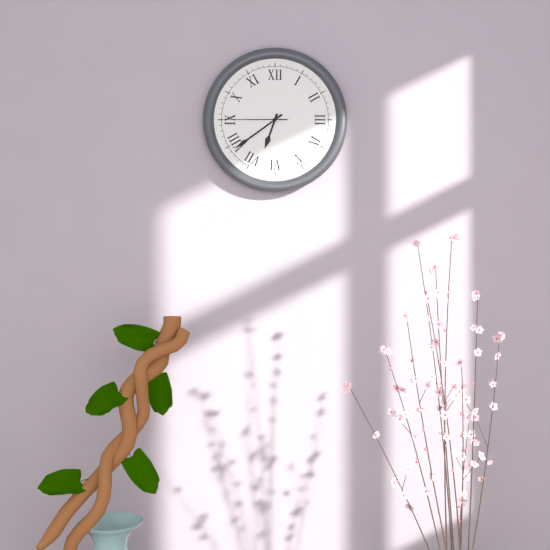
h=6 m=39 s=45
